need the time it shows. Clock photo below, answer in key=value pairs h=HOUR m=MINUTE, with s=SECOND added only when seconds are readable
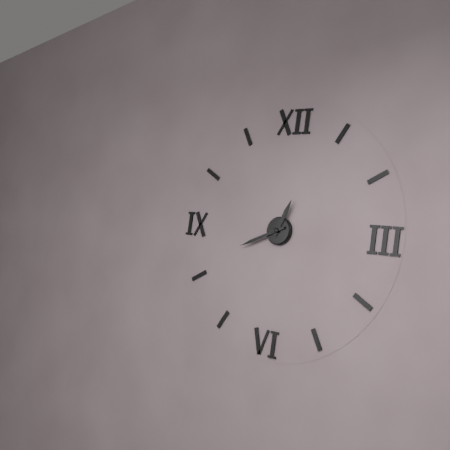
h=12 m=41
